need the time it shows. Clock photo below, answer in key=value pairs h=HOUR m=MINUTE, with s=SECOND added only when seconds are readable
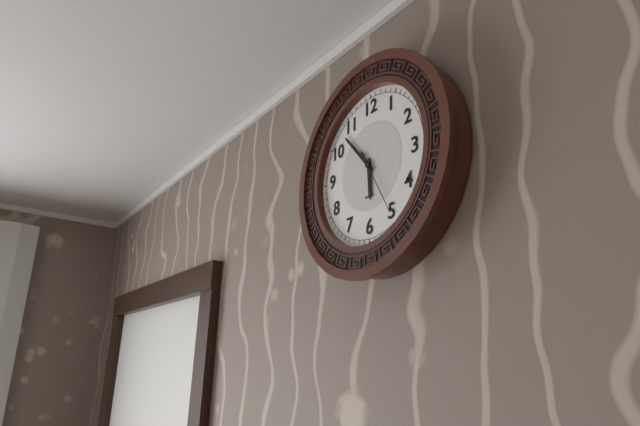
h=5 m=53 s=25
